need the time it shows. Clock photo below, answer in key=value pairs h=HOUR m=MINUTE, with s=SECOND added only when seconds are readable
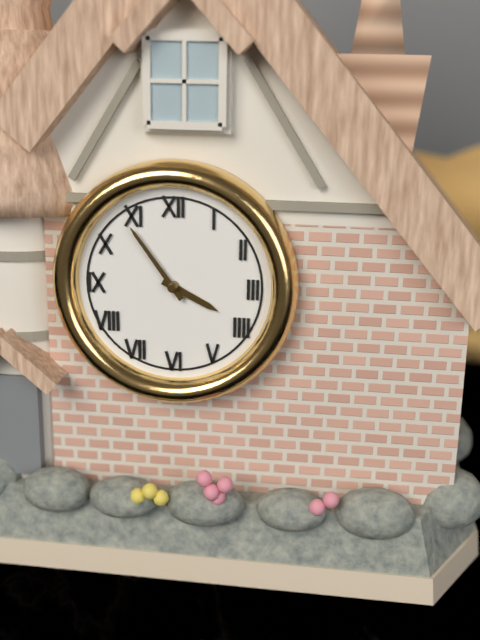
h=3 m=54
